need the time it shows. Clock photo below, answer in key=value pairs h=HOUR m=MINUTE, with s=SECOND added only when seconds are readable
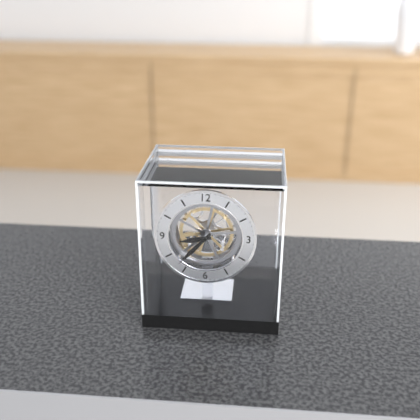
h=8 m=37
